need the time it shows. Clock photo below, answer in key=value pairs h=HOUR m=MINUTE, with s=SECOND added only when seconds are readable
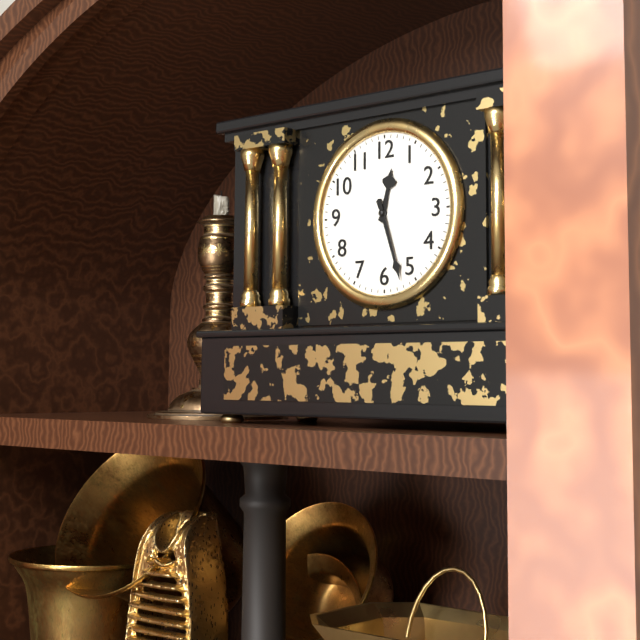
h=12 m=27
